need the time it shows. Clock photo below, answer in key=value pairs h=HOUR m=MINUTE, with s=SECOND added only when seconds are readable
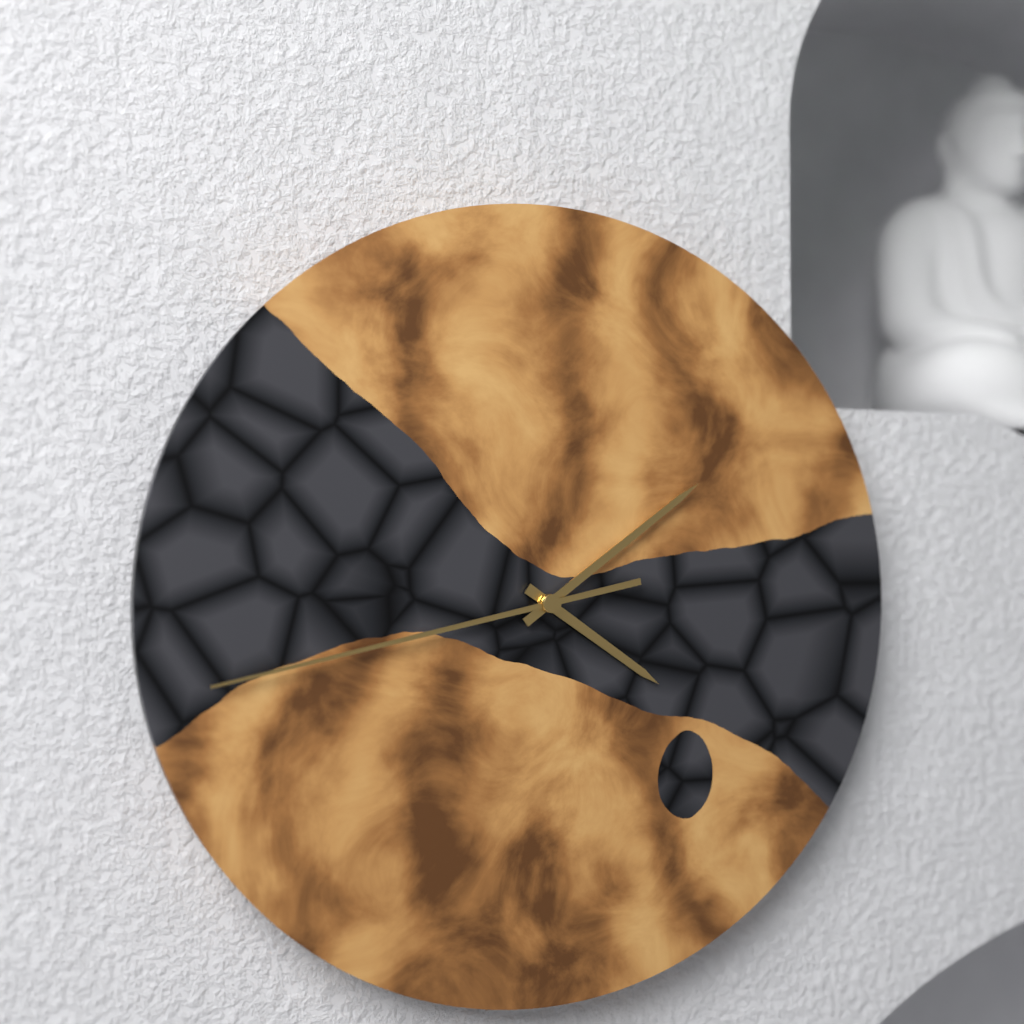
h=4 m=9 s=43
